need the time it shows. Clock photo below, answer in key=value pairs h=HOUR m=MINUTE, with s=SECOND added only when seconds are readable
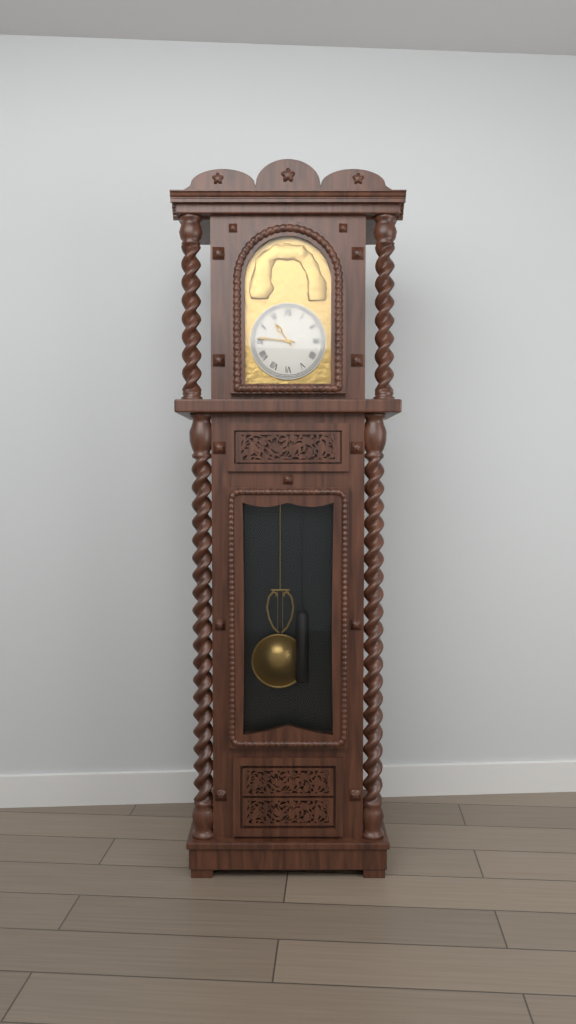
h=10 m=46
